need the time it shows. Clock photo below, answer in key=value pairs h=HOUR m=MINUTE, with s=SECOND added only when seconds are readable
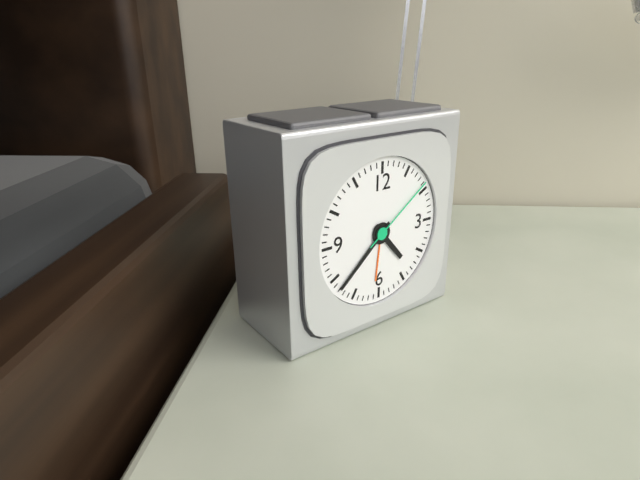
h=4 m=38 s=9
